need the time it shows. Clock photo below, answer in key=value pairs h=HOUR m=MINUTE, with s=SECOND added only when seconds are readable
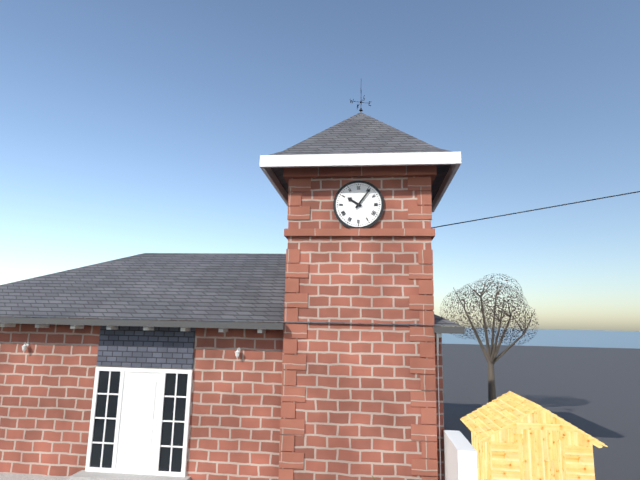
h=10 m=6
